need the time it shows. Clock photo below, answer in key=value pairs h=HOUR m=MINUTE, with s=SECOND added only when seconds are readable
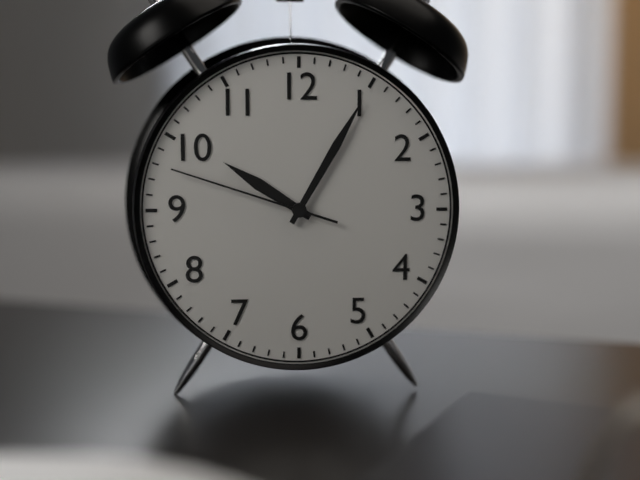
h=10 m=5 s=48
